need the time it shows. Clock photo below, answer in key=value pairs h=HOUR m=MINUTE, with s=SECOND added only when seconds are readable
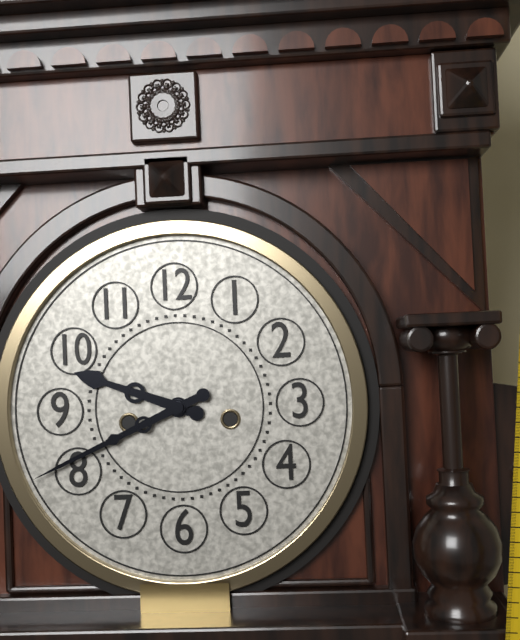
h=9 m=41
